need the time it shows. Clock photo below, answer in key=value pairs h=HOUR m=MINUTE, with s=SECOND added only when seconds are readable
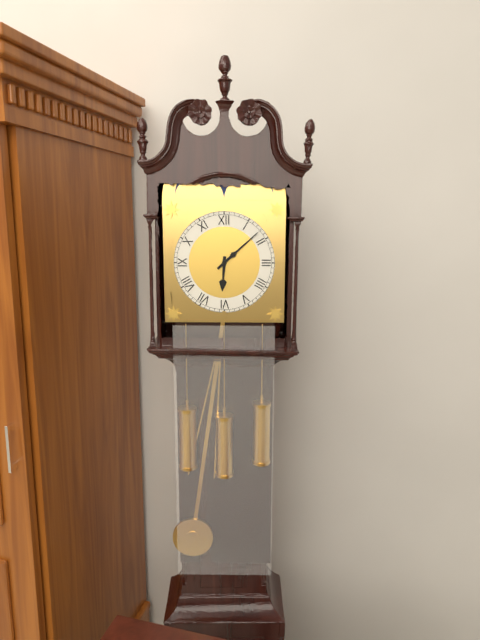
h=6 m=8
